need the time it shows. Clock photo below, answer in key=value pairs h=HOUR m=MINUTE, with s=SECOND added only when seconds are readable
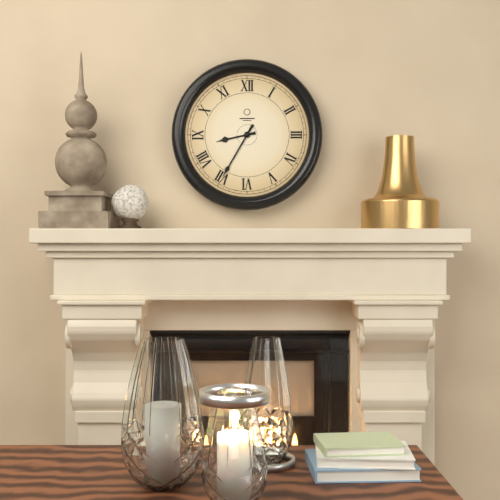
h=8 m=35
